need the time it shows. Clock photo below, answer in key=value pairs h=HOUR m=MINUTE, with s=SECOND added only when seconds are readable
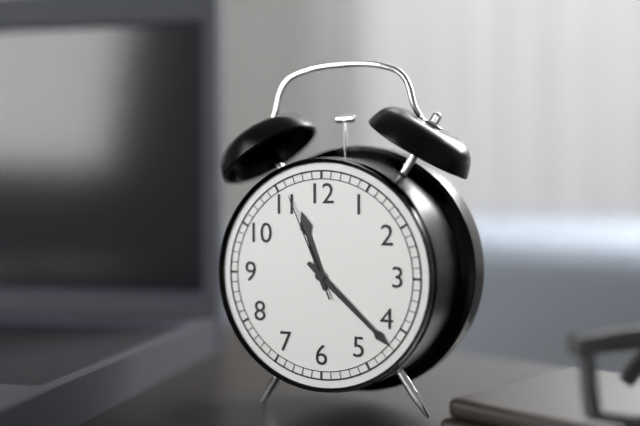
h=11 m=22 s=56
